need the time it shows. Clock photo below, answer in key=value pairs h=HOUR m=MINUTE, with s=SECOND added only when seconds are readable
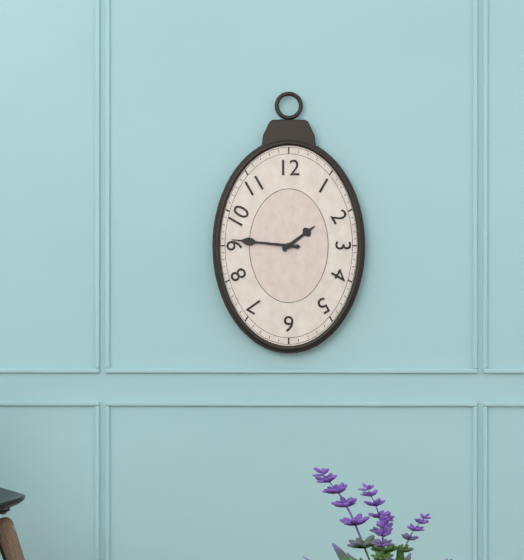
h=1 m=46
